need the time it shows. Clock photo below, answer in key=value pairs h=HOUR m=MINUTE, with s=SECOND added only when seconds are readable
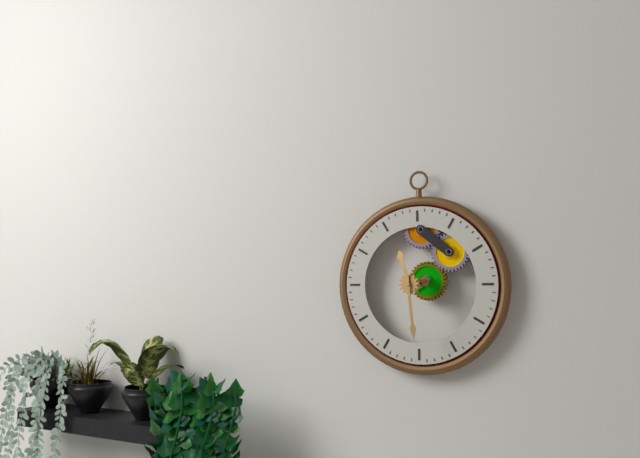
h=11 m=29
